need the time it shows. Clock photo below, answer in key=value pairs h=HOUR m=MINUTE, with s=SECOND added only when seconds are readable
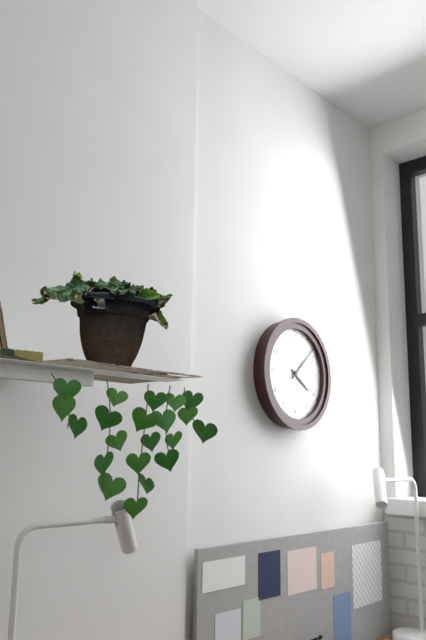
h=4 m=8
